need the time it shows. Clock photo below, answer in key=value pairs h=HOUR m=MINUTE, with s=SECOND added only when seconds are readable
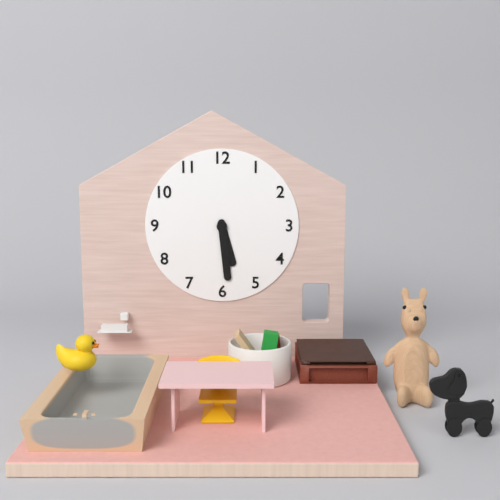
h=5 m=29
